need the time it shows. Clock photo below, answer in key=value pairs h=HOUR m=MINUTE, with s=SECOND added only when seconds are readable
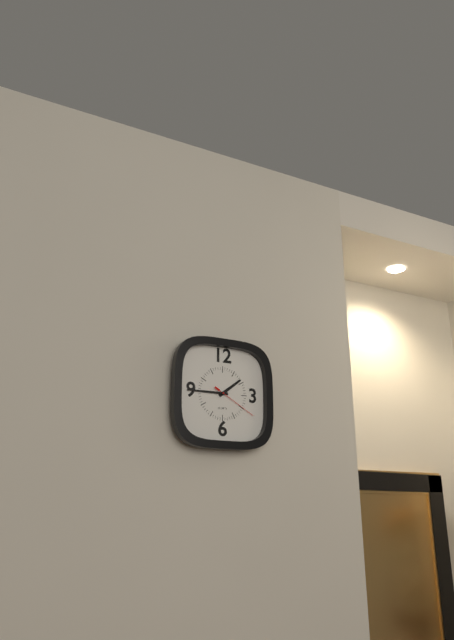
h=1 m=45
